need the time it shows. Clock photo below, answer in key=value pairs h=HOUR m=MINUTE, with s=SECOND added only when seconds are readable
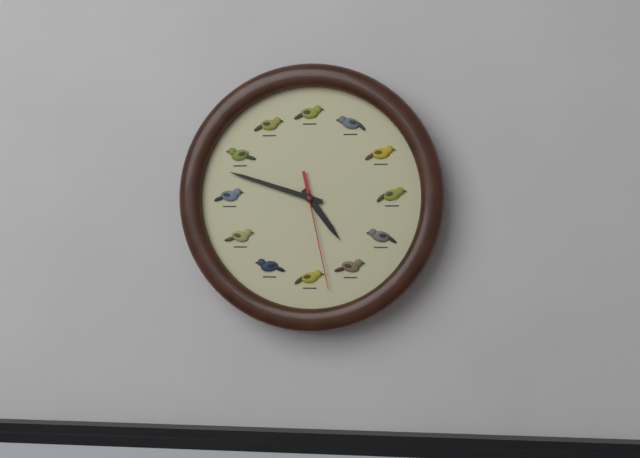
h=4 m=48 s=28
